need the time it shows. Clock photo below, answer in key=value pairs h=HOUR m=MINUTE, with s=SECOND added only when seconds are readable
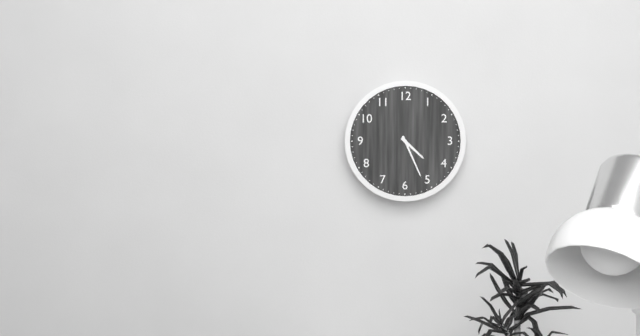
h=4 m=26
